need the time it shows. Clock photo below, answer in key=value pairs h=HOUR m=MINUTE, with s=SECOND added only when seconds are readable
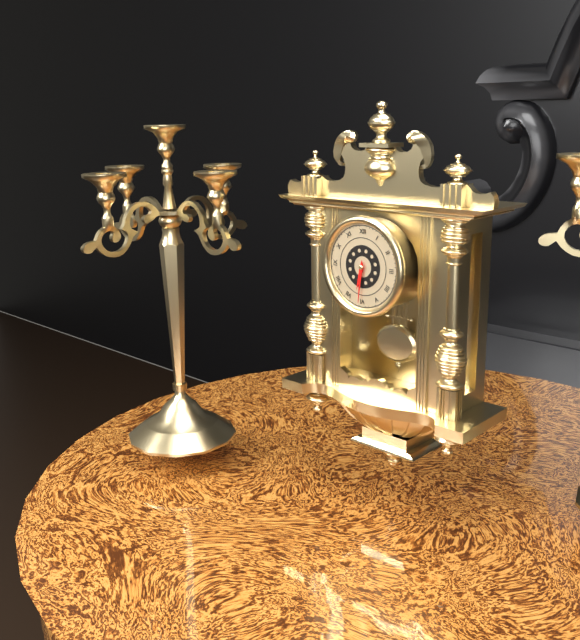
h=6 m=31
